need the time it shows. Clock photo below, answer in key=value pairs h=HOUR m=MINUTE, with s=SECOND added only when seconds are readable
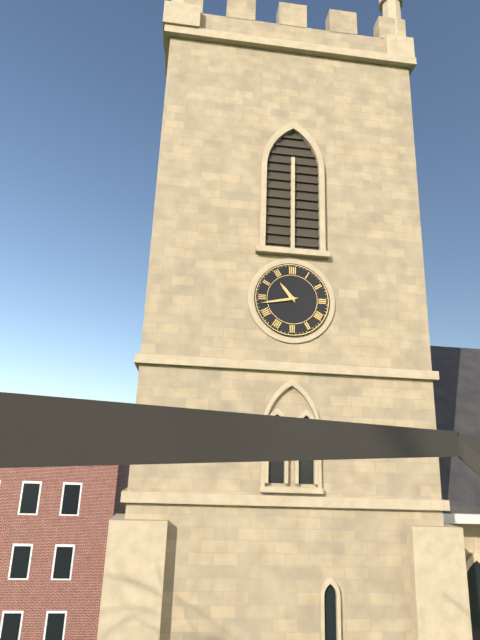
h=10 m=43
